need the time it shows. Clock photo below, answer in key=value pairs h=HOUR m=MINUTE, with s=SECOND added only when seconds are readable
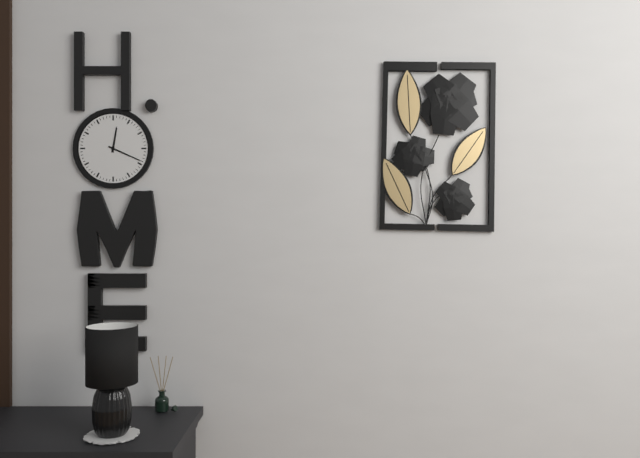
h=12 m=19
